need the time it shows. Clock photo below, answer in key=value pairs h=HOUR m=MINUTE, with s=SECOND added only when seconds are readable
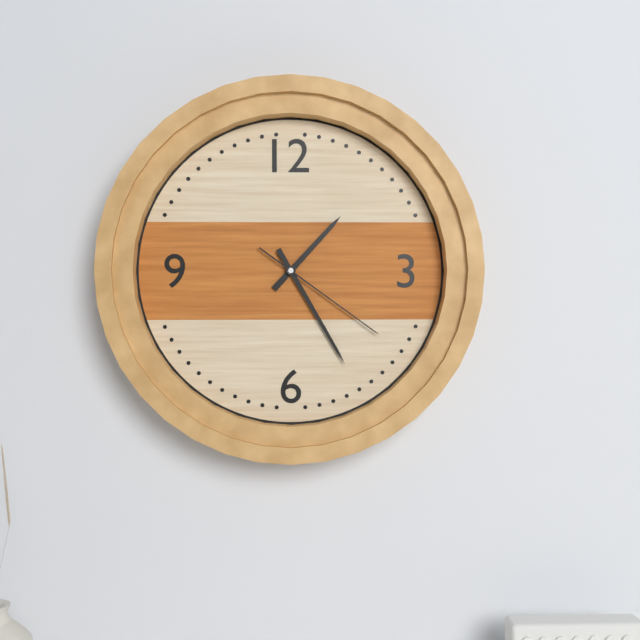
h=1 m=25 s=21
